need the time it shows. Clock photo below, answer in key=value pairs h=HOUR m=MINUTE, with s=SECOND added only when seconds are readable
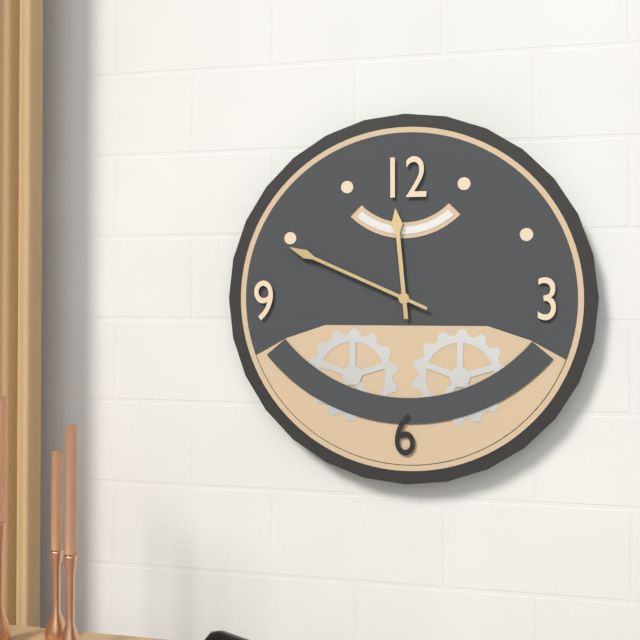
h=11 m=49
